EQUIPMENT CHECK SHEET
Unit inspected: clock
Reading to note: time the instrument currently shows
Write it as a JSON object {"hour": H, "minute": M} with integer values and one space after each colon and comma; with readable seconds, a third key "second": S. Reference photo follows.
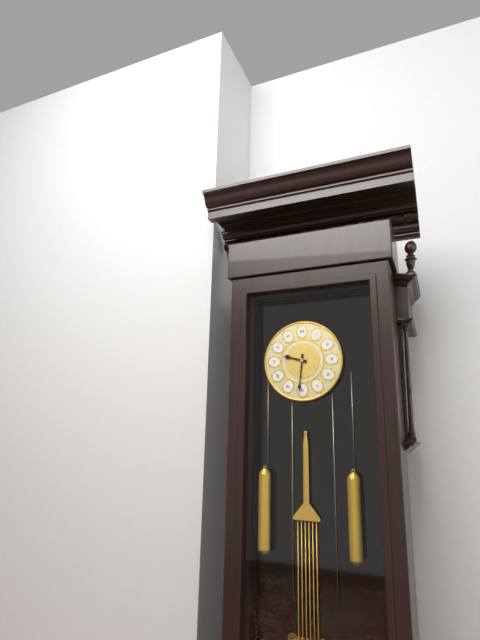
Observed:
{"hour": 9, "minute": 31}
